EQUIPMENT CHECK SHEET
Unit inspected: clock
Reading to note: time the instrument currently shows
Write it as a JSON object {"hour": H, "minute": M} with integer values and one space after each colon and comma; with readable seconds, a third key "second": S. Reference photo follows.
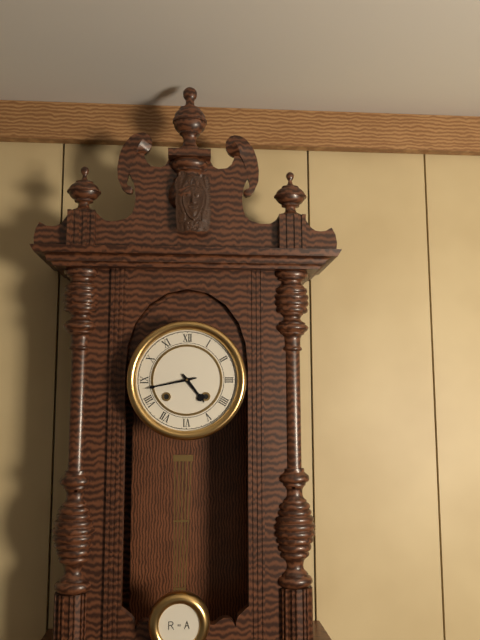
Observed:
{"hour": 4, "minute": 43}
